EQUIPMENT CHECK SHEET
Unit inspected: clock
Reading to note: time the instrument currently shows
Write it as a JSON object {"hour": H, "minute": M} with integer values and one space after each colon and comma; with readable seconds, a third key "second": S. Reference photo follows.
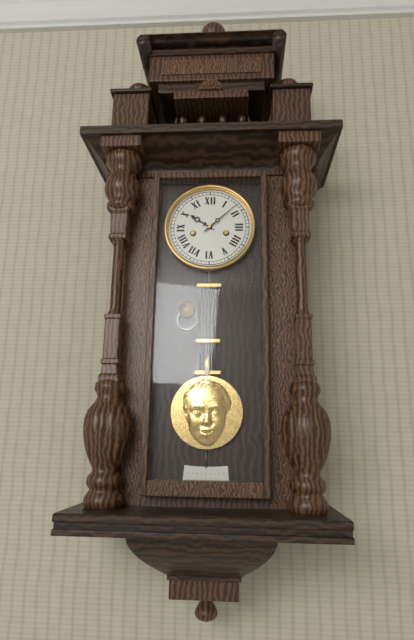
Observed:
{"hour": 10, "minute": 8}
